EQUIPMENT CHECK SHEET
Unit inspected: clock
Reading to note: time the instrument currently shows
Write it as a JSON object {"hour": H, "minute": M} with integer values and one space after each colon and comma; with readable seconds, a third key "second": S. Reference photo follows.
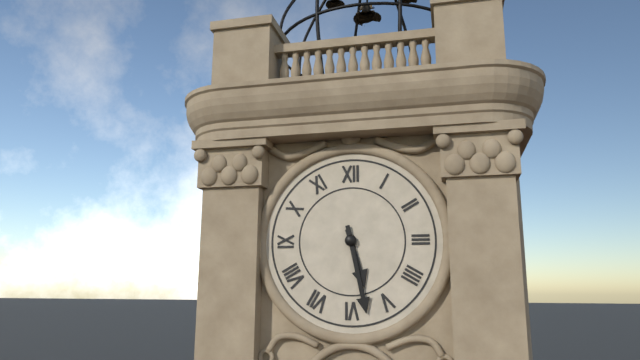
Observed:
{"hour": 5, "minute": 28}
